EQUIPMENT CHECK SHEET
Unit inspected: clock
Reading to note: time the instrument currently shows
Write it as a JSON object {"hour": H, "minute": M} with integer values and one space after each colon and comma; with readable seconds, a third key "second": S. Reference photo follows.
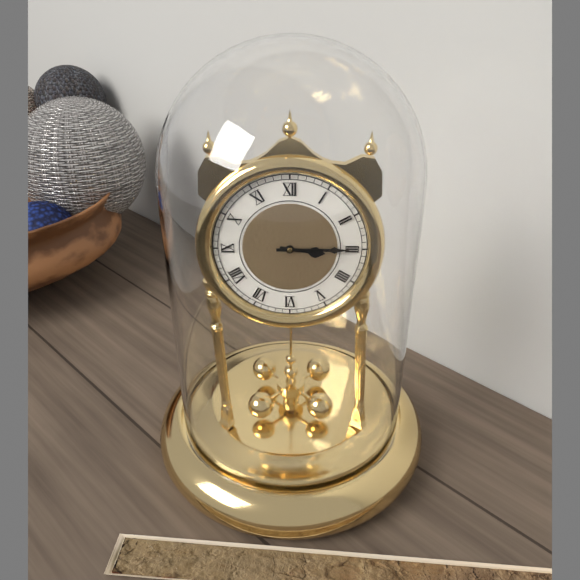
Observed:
{"hour": 3, "minute": 15}
